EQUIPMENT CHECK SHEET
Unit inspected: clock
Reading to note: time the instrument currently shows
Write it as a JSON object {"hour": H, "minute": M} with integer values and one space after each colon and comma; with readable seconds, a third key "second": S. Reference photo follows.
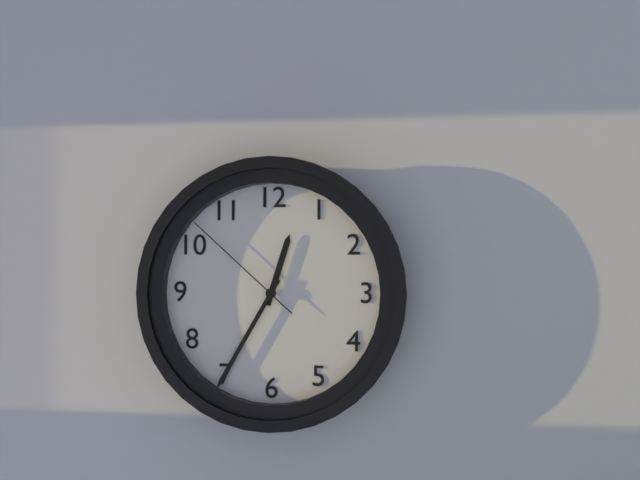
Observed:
{"hour": 12, "minute": 35, "second": 52}
